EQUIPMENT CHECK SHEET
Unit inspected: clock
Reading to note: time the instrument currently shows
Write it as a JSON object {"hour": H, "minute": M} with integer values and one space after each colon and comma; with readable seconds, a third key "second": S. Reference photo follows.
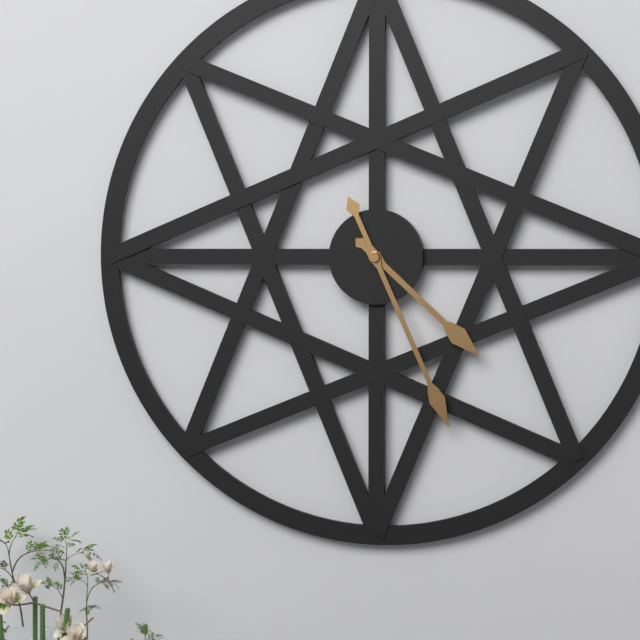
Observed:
{"hour": 4, "minute": 26}
